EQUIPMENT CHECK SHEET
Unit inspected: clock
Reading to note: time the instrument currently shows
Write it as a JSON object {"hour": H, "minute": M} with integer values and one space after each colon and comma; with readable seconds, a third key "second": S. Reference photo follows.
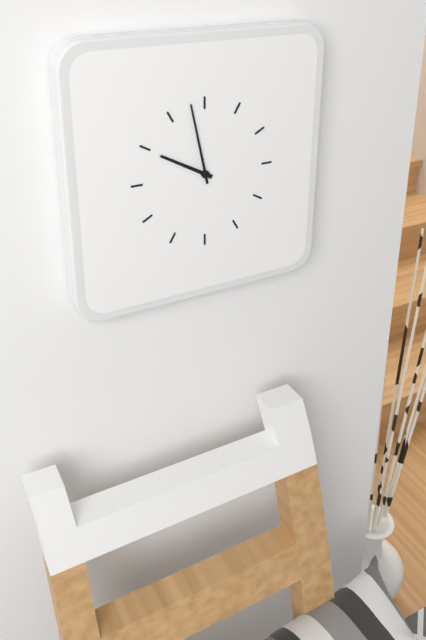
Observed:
{"hour": 9, "minute": 58}
